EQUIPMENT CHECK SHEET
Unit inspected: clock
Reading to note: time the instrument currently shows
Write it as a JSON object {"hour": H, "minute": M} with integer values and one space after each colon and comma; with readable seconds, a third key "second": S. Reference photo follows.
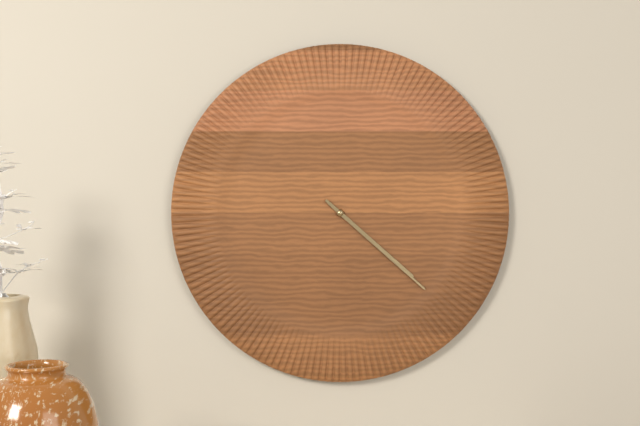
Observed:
{"hour": 4, "minute": 22}
